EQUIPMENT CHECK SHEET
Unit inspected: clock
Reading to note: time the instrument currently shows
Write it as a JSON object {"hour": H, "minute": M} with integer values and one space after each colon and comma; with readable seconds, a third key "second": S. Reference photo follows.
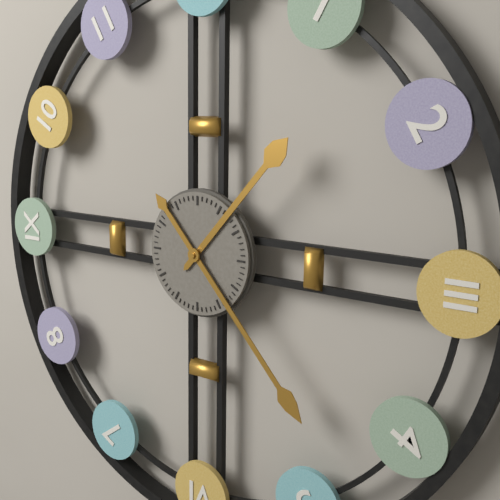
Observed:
{"hour": 1, "minute": 23}
